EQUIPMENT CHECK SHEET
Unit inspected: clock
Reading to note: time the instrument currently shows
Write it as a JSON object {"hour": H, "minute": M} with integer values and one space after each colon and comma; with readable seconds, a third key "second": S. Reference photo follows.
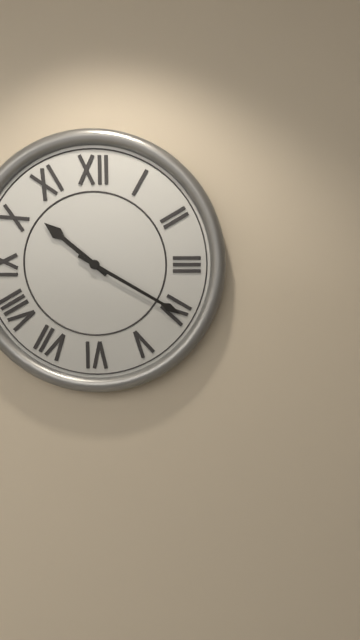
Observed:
{"hour": 10, "minute": 20}
